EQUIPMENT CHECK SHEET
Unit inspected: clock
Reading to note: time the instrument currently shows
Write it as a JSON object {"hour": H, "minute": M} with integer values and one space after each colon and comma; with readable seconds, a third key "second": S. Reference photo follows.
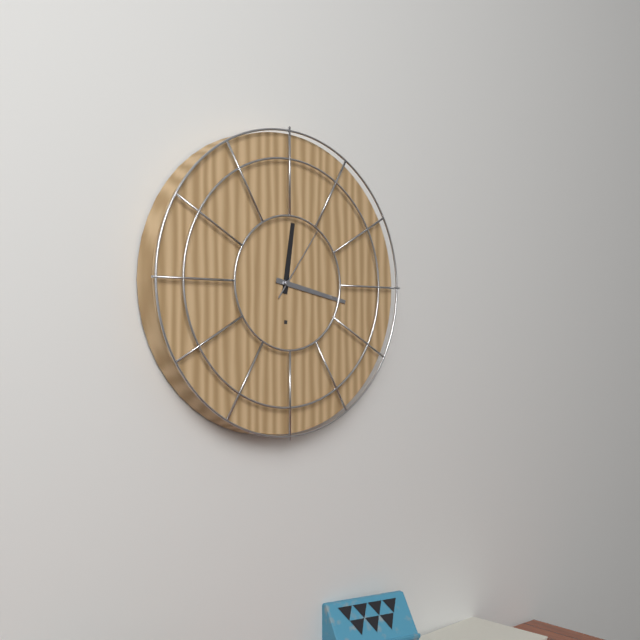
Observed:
{"hour": 12, "minute": 17, "second": 6}
